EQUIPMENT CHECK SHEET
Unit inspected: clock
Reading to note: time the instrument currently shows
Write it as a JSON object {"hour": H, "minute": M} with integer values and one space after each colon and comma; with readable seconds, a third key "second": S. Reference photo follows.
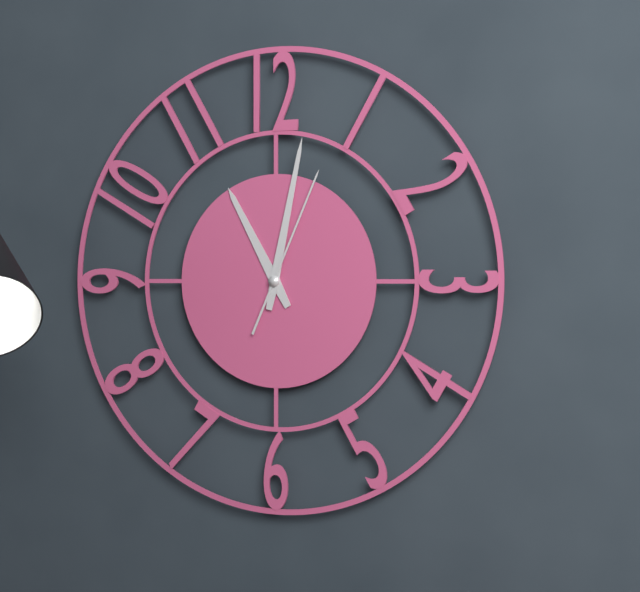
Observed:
{"hour": 11, "minute": 2, "second": 4}
